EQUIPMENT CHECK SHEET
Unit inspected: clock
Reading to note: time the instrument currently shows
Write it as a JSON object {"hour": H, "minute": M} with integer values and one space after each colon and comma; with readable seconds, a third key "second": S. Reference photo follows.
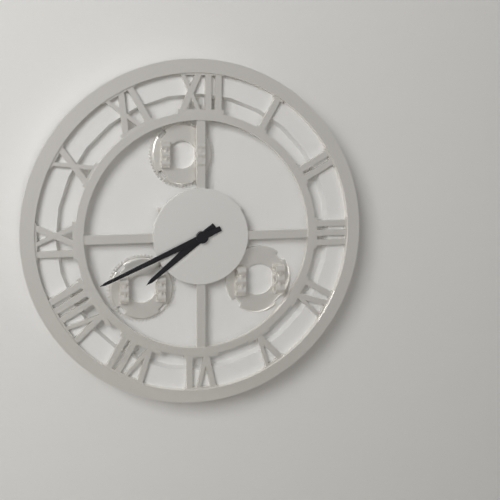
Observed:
{"hour": 7, "minute": 41}
